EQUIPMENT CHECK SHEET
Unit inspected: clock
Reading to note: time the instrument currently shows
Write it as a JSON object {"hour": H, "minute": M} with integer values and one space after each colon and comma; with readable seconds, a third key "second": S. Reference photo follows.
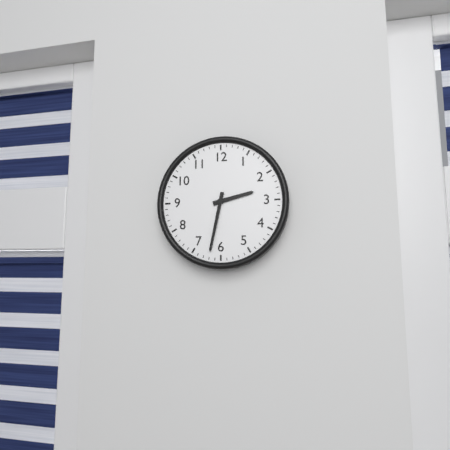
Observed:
{"hour": 2, "minute": 32}
